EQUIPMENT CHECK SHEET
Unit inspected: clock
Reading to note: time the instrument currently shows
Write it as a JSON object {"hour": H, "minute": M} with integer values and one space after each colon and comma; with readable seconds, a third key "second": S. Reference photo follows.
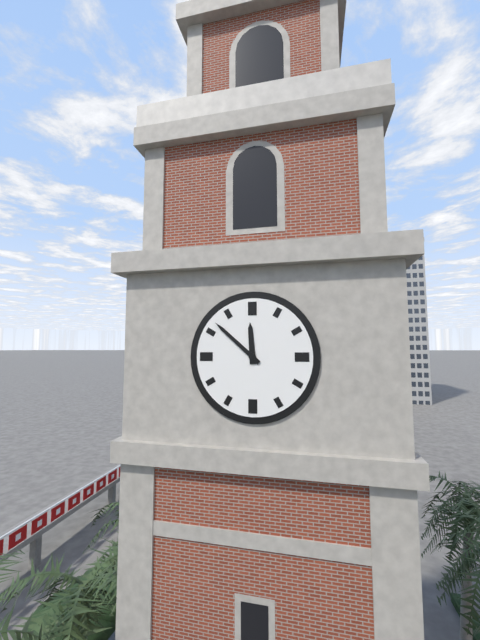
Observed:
{"hour": 11, "minute": 52}
